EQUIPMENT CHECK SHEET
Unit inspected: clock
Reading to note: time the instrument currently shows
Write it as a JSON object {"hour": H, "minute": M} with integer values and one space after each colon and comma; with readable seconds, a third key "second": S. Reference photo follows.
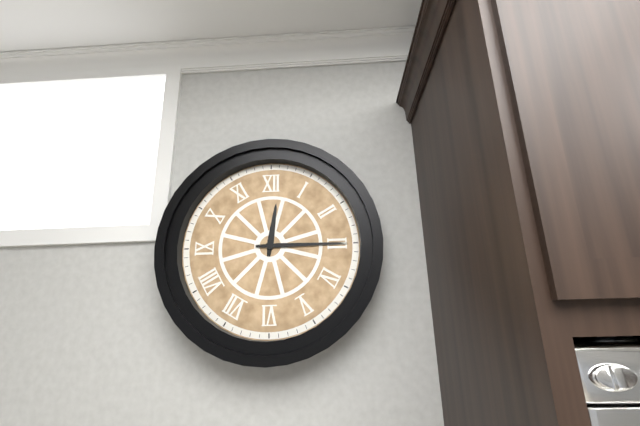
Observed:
{"hour": 12, "minute": 15}
